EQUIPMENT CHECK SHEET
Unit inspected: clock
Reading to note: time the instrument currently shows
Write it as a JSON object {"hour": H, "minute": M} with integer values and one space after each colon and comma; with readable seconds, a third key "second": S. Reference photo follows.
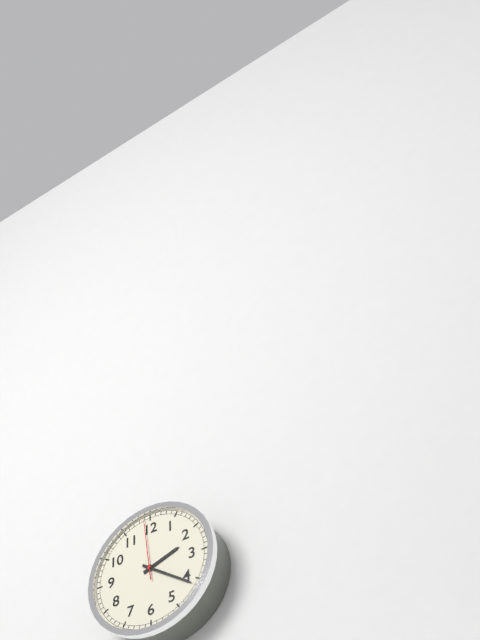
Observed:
{"hour": 2, "minute": 21, "second": 59}
